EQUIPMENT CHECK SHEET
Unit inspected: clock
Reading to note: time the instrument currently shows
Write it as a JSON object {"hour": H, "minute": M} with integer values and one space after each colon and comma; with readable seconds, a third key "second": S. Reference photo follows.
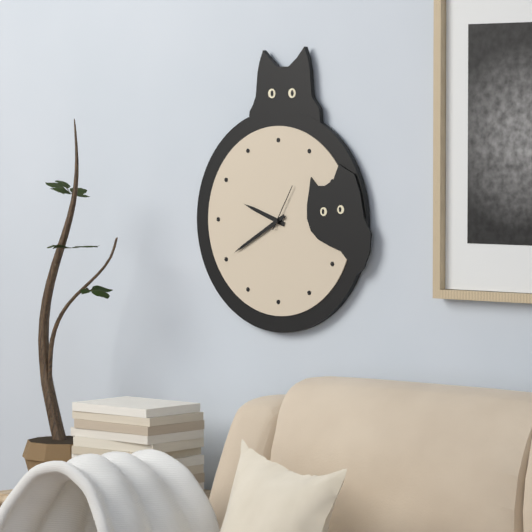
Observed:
{"hour": 9, "minute": 40}
